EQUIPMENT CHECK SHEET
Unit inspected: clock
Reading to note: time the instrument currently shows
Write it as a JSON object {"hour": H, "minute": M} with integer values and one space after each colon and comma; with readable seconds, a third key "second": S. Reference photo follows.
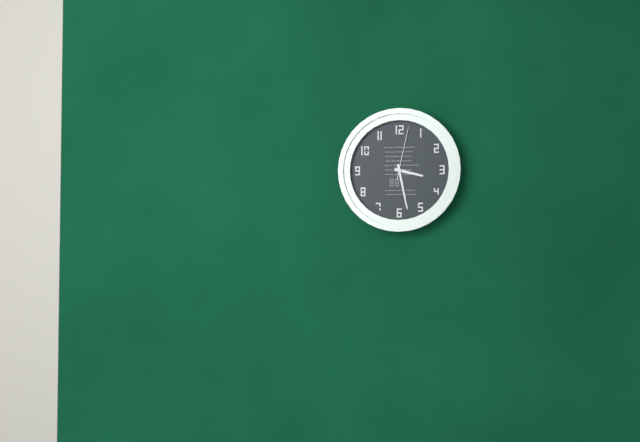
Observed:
{"hour": 3, "minute": 28, "second": 2}
